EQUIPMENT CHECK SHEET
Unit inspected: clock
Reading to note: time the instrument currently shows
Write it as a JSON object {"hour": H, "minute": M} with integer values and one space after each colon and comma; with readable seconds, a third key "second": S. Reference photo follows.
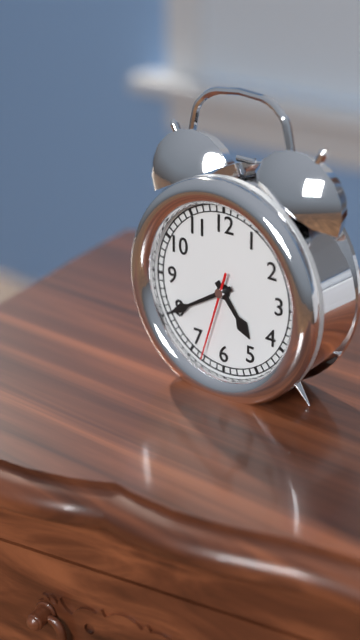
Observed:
{"hour": 4, "minute": 40, "second": 33}
